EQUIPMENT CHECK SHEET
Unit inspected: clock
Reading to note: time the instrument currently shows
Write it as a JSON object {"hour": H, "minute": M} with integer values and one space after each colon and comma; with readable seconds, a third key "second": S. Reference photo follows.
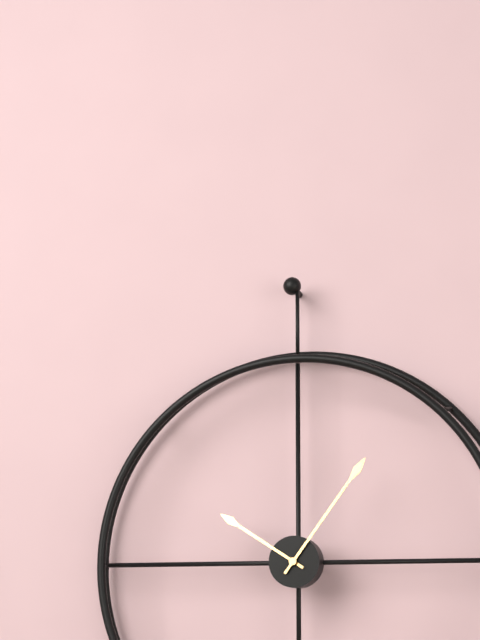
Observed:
{"hour": 10, "minute": 6}
